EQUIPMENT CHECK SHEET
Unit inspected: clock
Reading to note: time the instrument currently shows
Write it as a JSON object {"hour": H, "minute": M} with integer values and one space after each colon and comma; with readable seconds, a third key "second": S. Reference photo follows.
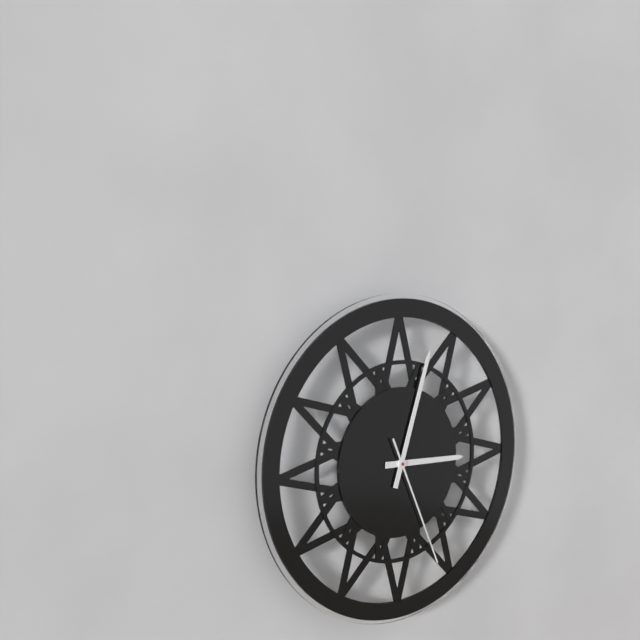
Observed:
{"hour": 3, "minute": 3, "second": 26}
